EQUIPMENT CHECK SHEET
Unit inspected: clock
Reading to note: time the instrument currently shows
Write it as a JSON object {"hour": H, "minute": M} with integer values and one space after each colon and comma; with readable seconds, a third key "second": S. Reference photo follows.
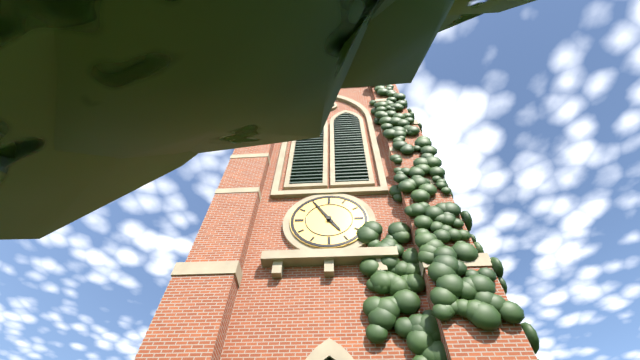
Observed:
{"hour": 4, "minute": 55}
